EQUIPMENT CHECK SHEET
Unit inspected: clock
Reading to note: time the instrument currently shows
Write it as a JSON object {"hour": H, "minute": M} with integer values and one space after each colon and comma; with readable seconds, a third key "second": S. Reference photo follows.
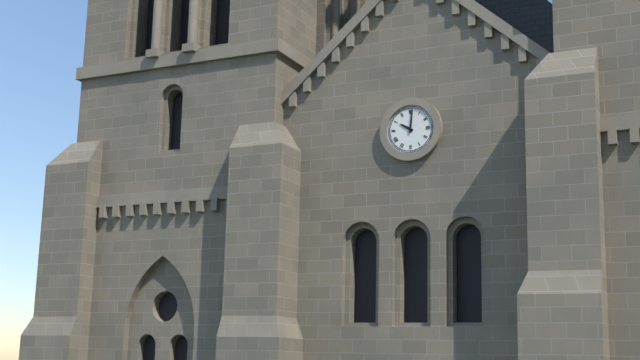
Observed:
{"hour": 10, "minute": 1}
